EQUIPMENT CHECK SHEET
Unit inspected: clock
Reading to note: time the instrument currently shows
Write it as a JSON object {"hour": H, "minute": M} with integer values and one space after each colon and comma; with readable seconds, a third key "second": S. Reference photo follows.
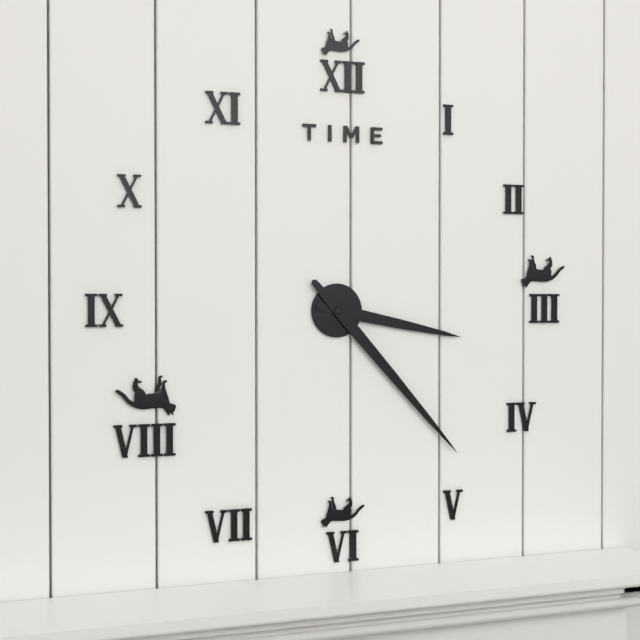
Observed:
{"hour": 3, "minute": 23}
